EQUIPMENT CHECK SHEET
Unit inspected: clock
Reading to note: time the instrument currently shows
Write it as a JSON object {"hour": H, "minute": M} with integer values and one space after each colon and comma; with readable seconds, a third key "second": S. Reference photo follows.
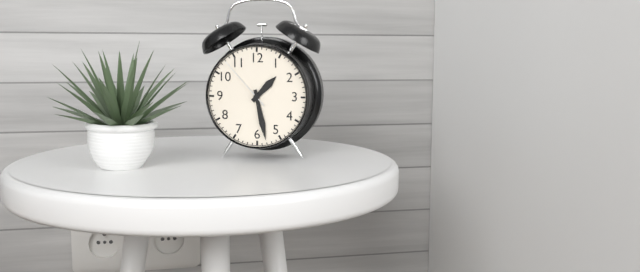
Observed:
{"hour": 1, "minute": 28, "second": 53}
